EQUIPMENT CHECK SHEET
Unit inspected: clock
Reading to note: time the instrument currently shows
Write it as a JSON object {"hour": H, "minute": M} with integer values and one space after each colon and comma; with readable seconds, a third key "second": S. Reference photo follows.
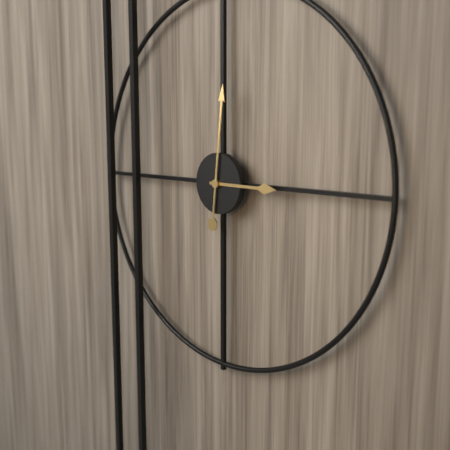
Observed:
{"hour": 3, "minute": 1}
